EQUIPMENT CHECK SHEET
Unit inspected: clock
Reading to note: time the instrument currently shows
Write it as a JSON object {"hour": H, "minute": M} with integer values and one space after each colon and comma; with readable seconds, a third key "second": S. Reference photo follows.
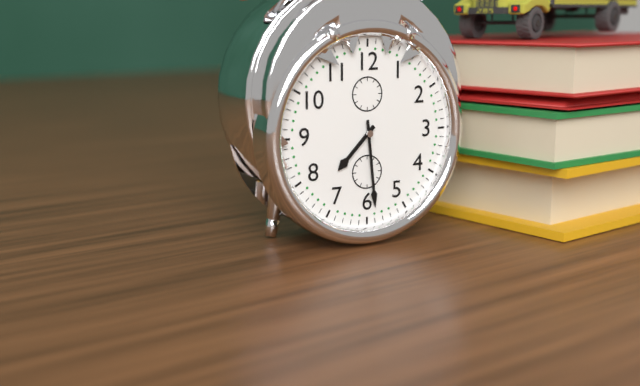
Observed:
{"hour": 7, "minute": 29}
